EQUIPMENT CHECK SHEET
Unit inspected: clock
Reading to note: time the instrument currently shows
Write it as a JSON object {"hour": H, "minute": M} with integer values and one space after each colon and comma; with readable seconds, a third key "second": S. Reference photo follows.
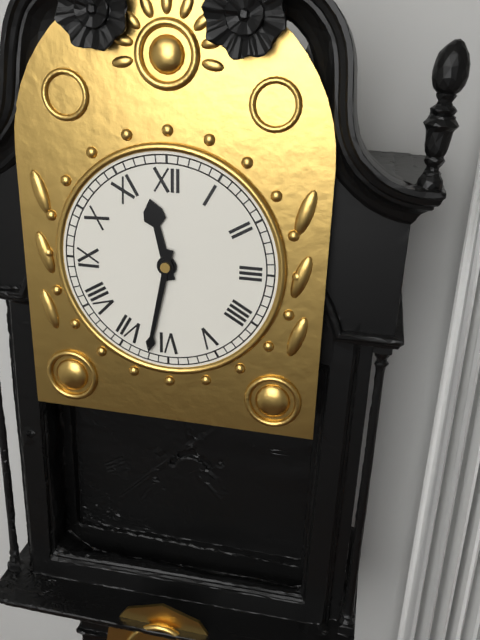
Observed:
{"hour": 11, "minute": 32}
